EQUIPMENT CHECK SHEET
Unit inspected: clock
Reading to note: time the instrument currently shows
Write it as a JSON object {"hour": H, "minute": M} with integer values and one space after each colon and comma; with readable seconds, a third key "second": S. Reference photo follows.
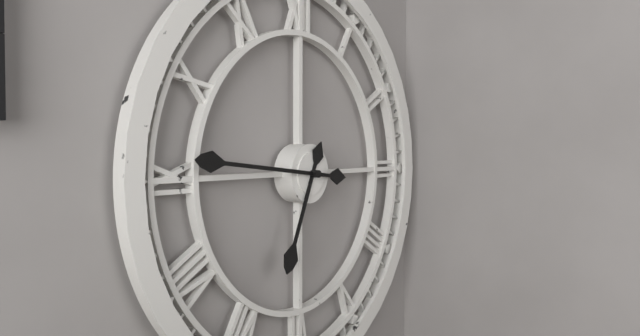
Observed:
{"hour": 6, "minute": 46}
